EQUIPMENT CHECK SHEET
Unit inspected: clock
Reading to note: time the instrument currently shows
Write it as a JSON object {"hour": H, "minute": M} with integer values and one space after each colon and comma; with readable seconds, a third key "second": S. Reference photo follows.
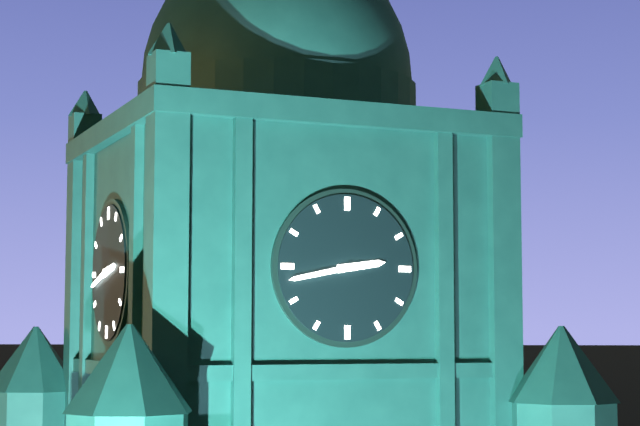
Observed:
{"hour": 2, "minute": 43}
